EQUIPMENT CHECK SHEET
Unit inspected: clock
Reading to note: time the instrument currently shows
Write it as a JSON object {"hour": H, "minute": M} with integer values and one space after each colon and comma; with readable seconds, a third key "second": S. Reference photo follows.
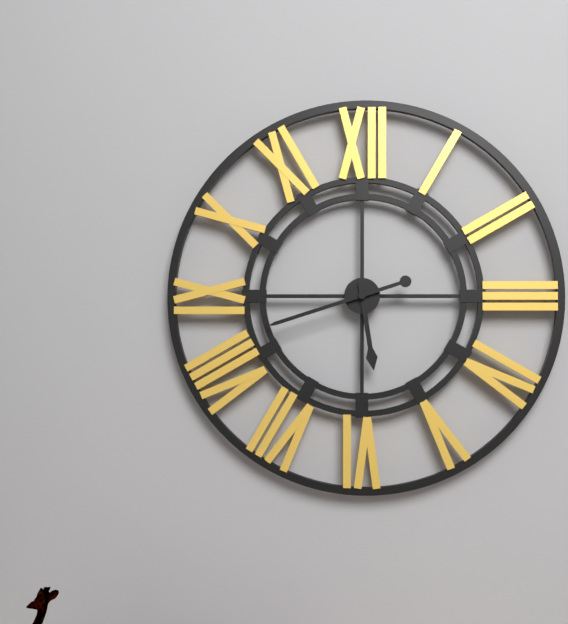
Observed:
{"hour": 5, "minute": 42}
